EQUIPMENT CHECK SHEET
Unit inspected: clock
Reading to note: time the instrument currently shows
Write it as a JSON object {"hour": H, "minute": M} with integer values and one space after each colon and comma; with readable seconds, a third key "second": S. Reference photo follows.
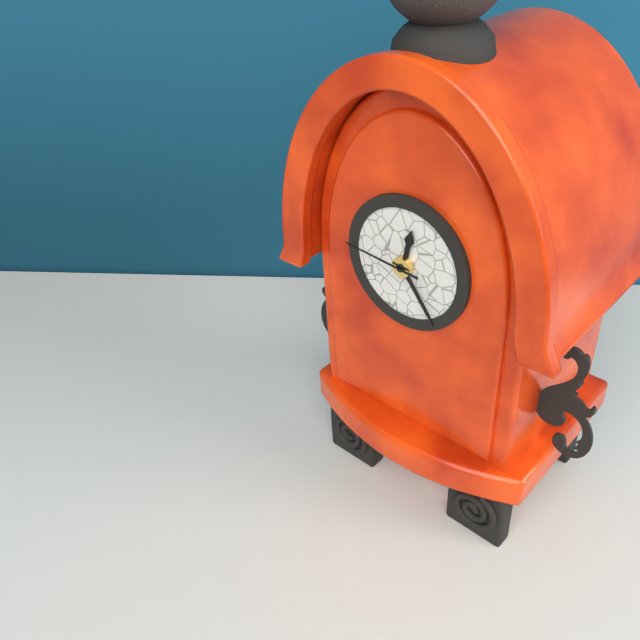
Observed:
{"hour": 12, "minute": 24, "second": 46}
